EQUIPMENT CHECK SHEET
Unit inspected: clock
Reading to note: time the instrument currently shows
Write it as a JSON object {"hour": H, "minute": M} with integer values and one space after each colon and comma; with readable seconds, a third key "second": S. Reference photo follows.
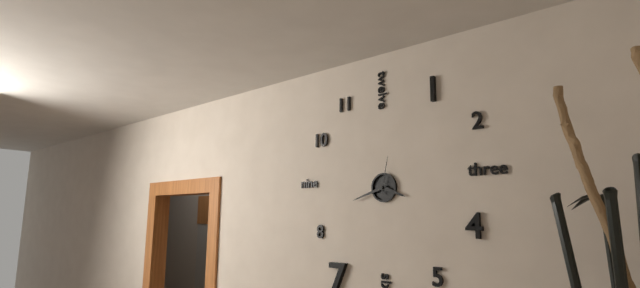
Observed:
{"hour": 3, "minute": 42}
